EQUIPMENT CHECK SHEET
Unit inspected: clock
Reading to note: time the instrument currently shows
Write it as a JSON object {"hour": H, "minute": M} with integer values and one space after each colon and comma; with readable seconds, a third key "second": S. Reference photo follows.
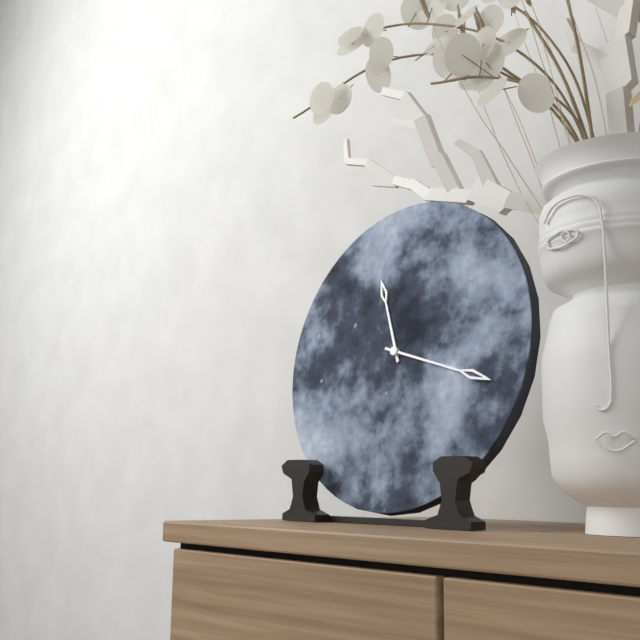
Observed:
{"hour": 11, "minute": 18}
